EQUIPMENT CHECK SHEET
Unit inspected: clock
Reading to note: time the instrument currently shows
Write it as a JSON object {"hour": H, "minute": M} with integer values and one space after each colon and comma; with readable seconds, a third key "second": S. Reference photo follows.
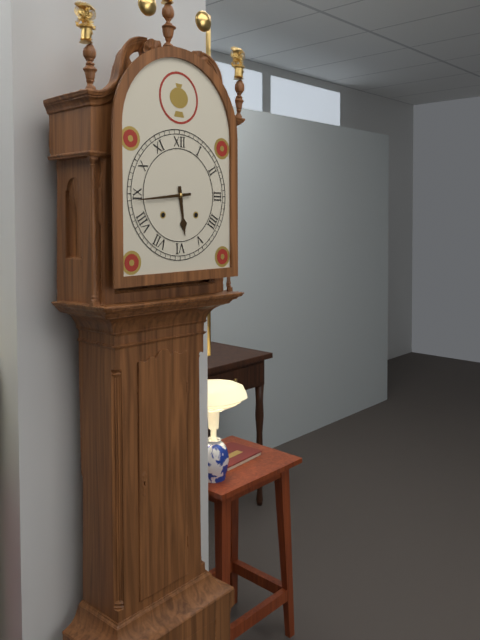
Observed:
{"hour": 5, "minute": 44}
